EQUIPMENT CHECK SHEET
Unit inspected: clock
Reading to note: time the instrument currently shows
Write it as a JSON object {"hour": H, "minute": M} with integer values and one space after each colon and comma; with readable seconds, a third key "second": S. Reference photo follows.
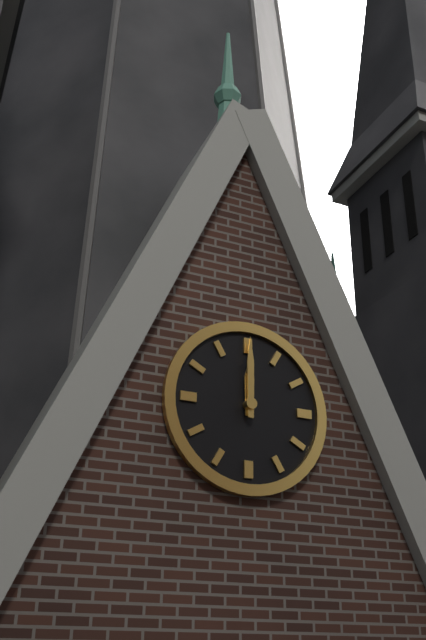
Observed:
{"hour": 12, "minute": 0}
